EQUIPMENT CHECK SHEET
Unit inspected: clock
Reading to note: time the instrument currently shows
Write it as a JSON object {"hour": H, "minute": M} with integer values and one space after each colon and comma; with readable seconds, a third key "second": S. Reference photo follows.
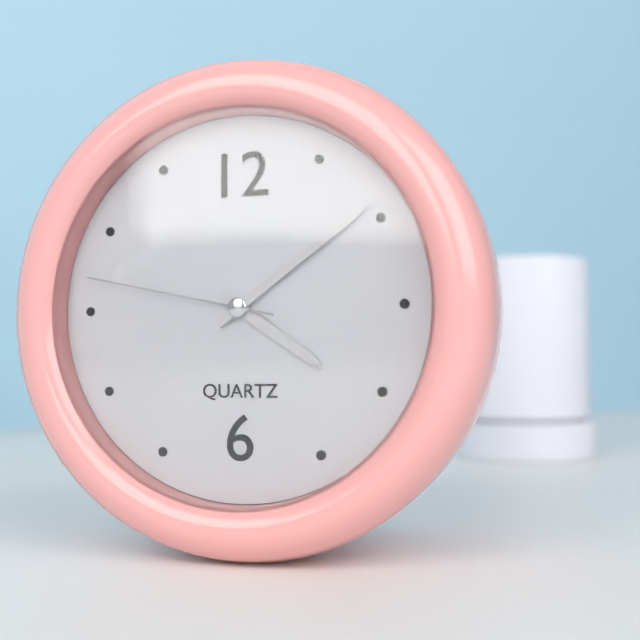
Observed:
{"hour": 4, "minute": 9, "second": 47}
